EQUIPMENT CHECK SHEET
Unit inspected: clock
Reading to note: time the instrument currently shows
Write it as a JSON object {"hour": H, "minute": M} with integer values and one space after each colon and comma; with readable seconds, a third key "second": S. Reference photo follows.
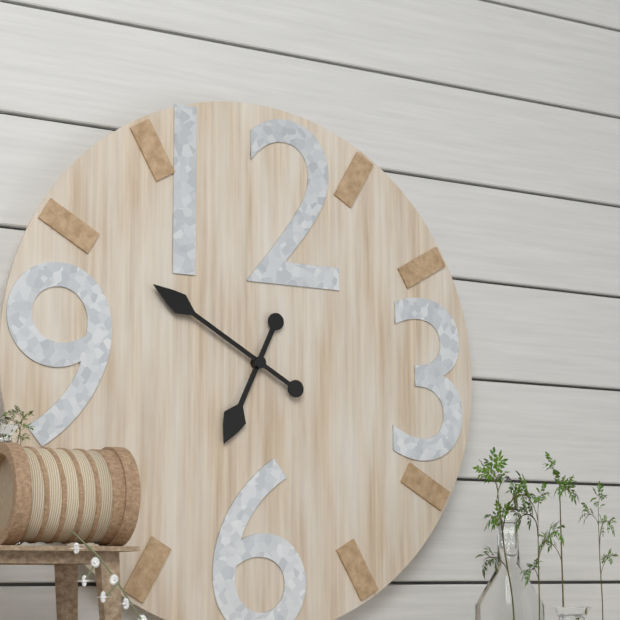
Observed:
{"hour": 6, "minute": 50}
